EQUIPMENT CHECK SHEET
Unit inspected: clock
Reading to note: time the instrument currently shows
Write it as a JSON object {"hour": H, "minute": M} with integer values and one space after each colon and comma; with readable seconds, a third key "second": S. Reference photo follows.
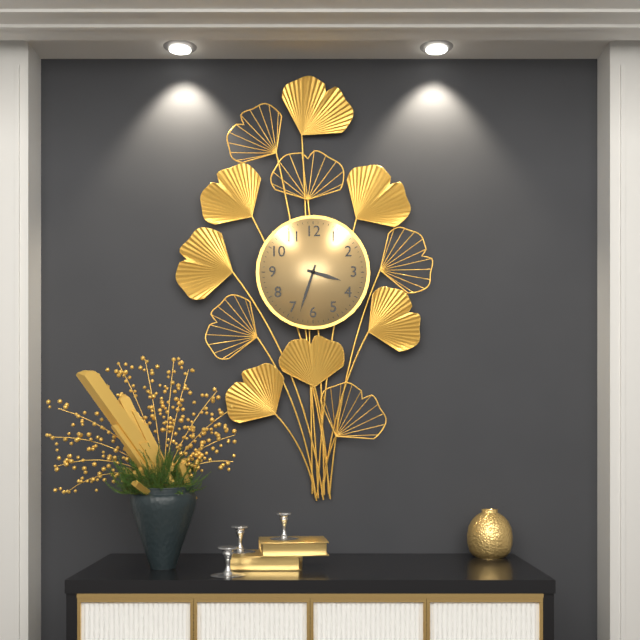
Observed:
{"hour": 3, "minute": 33}
